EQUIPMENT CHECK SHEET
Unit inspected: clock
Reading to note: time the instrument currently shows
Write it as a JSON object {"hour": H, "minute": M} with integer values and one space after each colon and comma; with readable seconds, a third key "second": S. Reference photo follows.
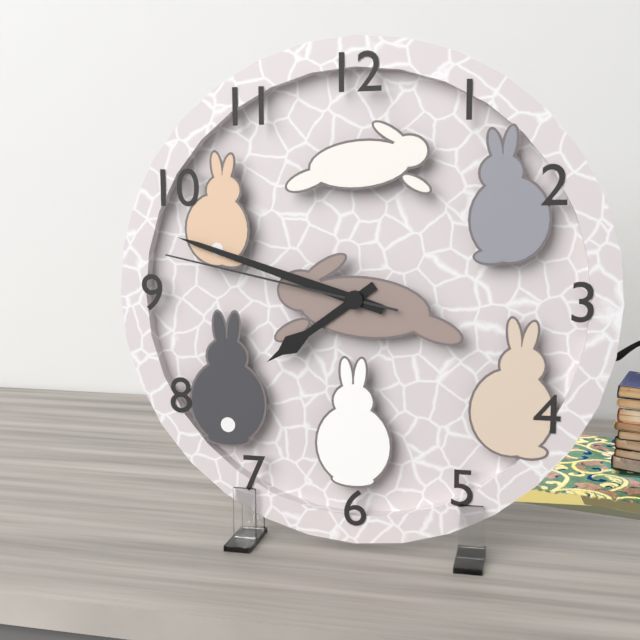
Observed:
{"hour": 7, "minute": 48, "second": 47}
